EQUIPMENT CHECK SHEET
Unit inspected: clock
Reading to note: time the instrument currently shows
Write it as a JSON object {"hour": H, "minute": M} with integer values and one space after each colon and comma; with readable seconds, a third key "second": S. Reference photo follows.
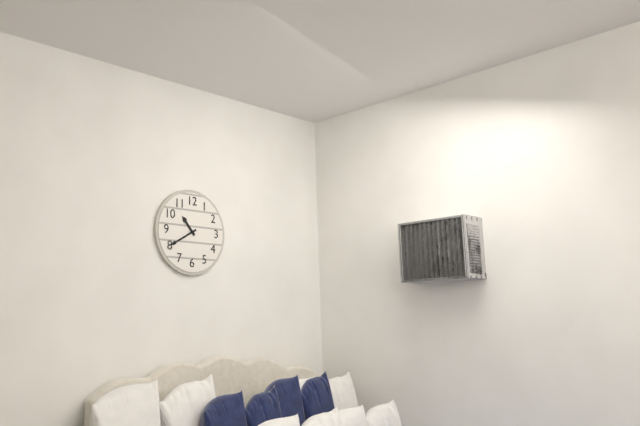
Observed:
{"hour": 10, "minute": 40}
